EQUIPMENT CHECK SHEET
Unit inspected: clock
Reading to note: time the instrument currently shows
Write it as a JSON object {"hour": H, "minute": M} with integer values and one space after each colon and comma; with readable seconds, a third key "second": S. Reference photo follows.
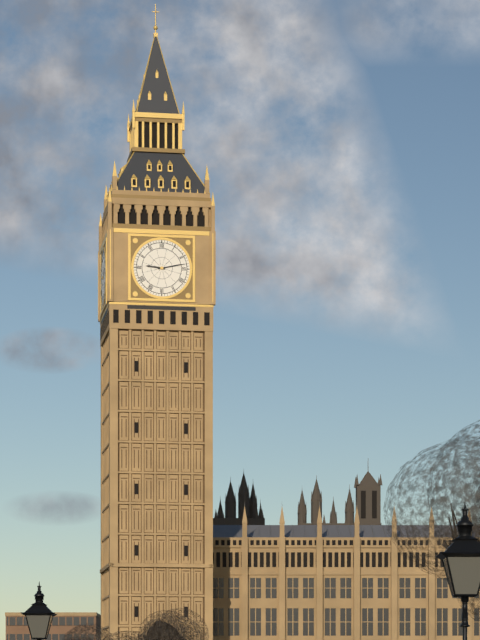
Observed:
{"hour": 9, "minute": 13}
